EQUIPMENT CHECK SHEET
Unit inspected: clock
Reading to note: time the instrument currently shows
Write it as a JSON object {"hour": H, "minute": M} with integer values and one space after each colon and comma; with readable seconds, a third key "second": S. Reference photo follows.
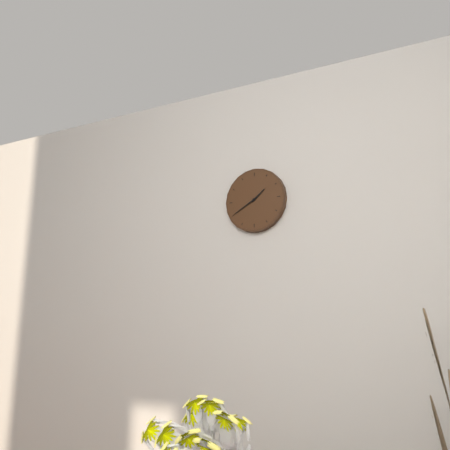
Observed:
{"hour": 1, "minute": 40}
